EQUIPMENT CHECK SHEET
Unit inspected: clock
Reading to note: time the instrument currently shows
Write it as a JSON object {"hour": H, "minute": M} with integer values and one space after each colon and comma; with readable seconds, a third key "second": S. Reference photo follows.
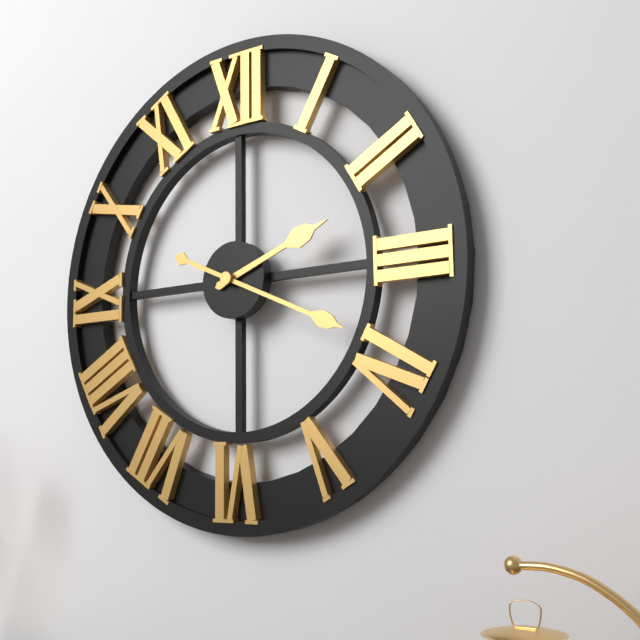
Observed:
{"hour": 2, "minute": 19}
